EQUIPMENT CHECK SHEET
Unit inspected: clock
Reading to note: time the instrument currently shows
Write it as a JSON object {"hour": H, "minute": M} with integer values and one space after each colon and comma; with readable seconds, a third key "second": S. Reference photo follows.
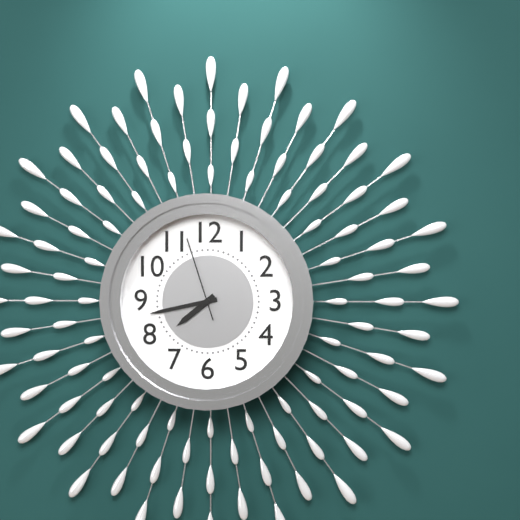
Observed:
{"hour": 7, "minute": 43, "second": 57}
